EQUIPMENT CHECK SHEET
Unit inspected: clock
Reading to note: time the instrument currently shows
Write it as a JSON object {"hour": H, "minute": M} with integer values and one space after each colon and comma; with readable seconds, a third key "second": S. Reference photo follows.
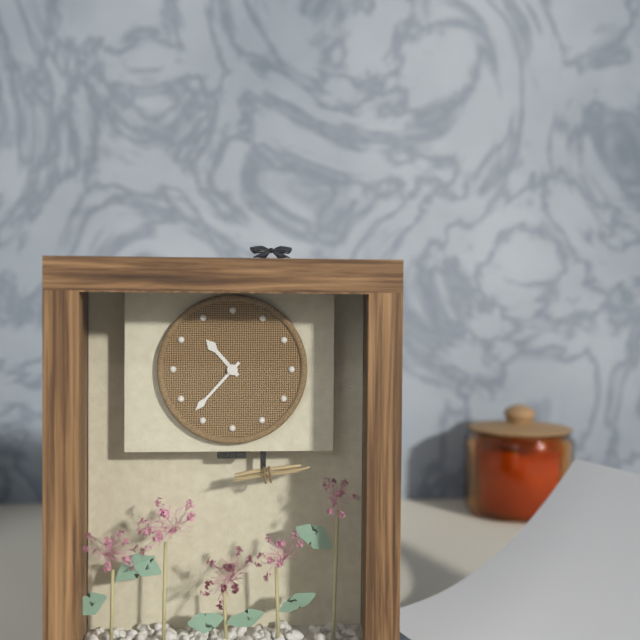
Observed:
{"hour": 10, "minute": 37}
